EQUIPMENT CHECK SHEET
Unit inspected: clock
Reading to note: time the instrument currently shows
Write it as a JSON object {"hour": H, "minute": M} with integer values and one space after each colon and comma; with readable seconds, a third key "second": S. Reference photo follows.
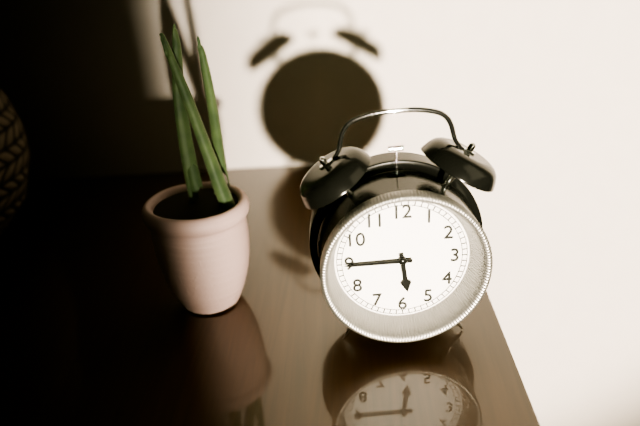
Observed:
{"hour": 5, "minute": 45}
